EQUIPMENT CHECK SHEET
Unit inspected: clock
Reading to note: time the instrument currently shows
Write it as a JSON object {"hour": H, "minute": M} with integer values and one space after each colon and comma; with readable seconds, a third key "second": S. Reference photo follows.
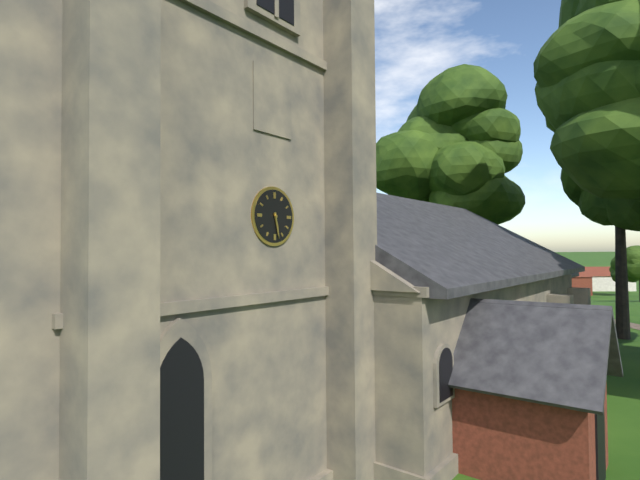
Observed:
{"hour": 5, "minute": 28}
